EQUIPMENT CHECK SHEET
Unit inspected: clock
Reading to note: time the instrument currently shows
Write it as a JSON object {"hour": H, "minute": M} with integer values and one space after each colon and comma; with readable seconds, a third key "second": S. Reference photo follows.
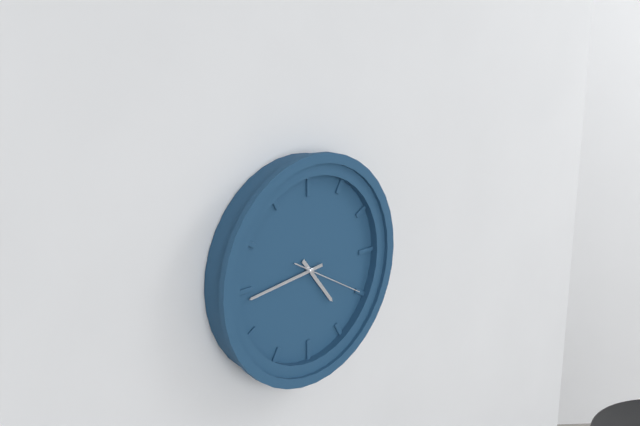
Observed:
{"hour": 4, "minute": 44, "second": 20}
